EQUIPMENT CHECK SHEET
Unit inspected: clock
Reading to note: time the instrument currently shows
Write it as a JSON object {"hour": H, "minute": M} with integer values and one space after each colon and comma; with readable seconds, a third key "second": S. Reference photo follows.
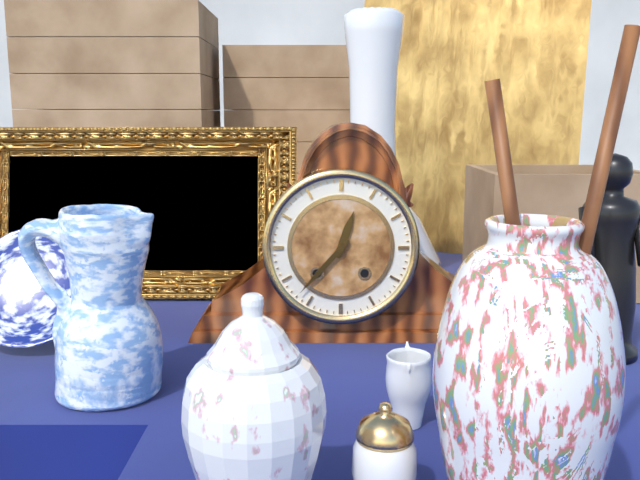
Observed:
{"hour": 12, "minute": 37}
